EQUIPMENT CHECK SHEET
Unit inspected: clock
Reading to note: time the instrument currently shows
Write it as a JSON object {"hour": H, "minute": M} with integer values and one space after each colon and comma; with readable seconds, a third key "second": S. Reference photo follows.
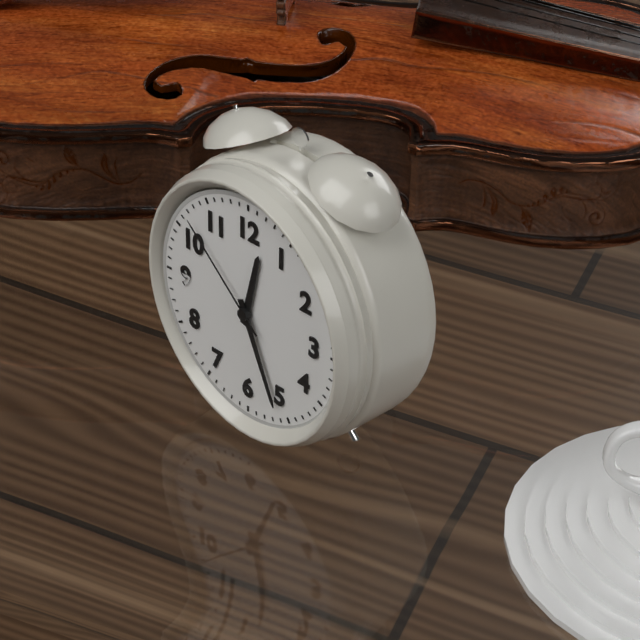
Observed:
{"hour": 12, "minute": 26, "second": 52}
